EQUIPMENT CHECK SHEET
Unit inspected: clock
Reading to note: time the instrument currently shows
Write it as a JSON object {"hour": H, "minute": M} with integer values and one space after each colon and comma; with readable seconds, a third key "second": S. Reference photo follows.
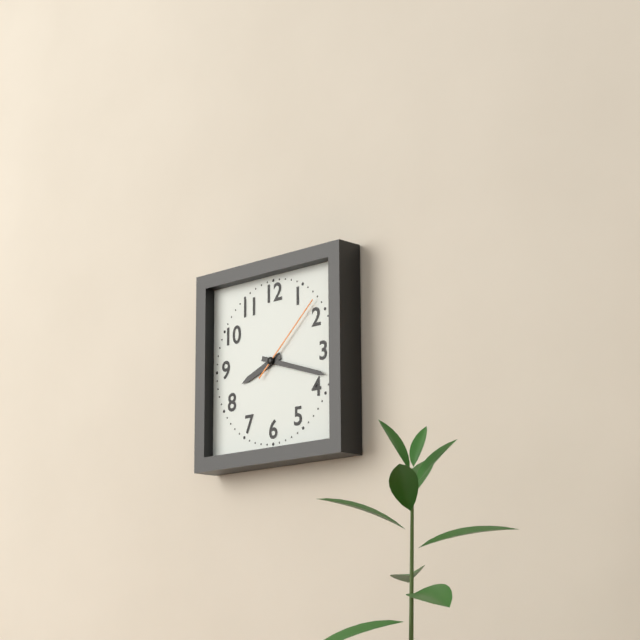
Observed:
{"hour": 8, "minute": 18, "second": 8}
